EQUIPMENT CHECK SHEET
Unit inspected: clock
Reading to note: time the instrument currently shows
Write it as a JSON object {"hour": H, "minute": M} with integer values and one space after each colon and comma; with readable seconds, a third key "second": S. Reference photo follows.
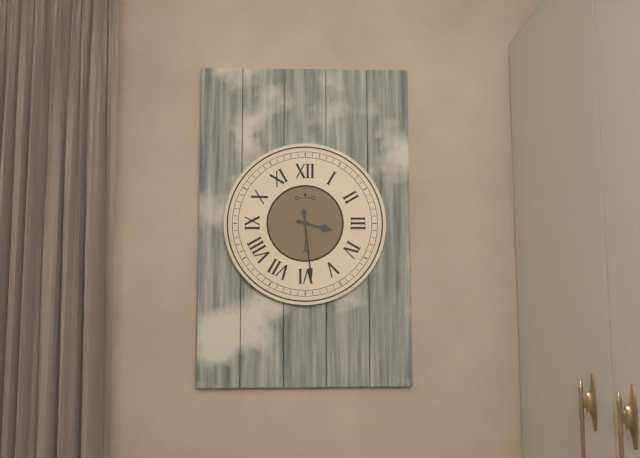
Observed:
{"hour": 3, "minute": 29}
